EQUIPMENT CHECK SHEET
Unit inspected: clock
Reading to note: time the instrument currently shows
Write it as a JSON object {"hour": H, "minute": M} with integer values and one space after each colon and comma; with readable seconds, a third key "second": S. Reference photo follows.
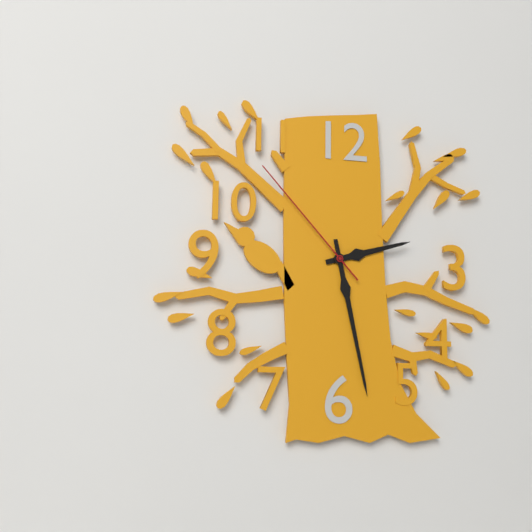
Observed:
{"hour": 2, "minute": 28, "second": 53}
